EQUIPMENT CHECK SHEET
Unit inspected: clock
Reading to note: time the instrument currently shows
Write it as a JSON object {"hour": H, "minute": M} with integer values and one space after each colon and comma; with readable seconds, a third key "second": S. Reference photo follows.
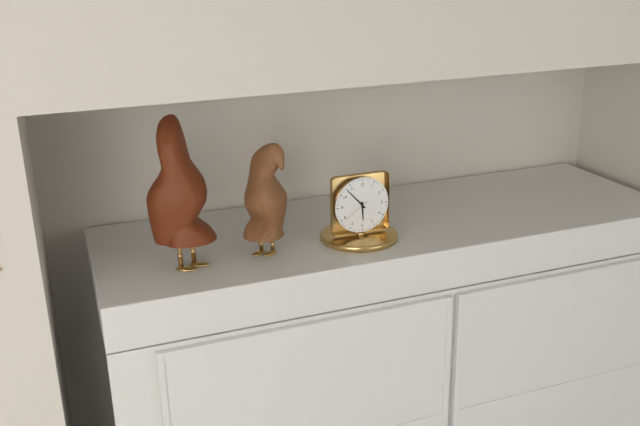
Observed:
{"hour": 5, "minute": 53}
